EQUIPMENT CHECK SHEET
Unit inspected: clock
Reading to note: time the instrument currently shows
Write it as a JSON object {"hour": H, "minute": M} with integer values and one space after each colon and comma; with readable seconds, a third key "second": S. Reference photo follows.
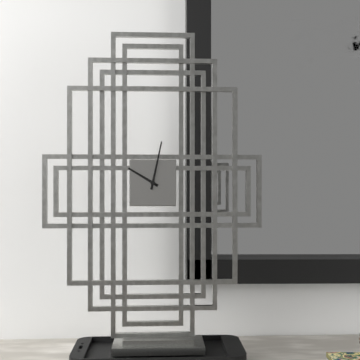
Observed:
{"hour": 10, "minute": 2}
